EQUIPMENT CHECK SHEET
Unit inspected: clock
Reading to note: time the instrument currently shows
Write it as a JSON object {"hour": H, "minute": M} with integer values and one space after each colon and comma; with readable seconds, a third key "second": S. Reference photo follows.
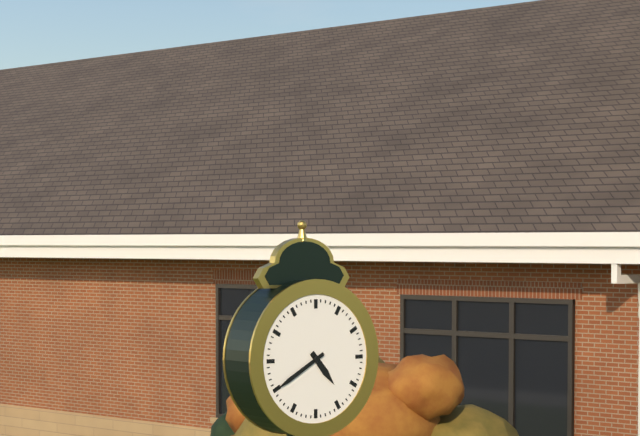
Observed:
{"hour": 4, "minute": 40}
